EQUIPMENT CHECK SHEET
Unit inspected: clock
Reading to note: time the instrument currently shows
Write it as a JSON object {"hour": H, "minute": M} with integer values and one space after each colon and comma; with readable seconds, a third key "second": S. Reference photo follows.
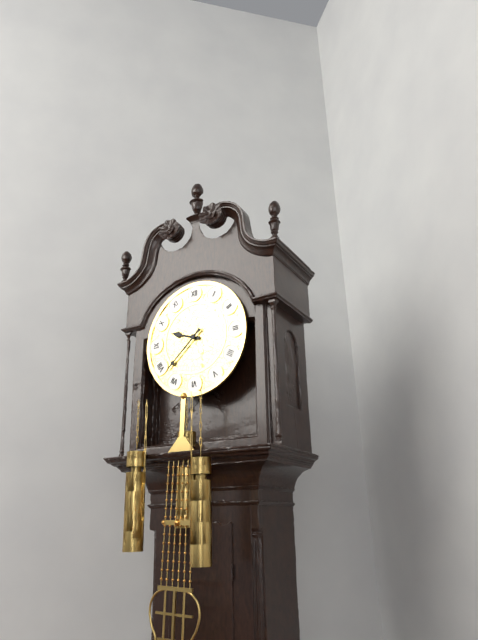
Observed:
{"hour": 9, "minute": 38}
